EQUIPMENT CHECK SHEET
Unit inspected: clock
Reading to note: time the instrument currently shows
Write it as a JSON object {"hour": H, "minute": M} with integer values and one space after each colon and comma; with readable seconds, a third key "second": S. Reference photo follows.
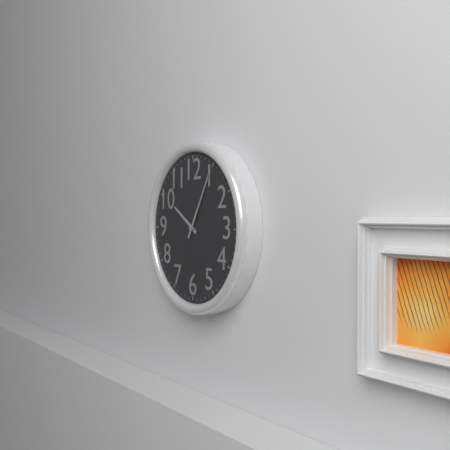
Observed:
{"hour": 10, "minute": 5}
